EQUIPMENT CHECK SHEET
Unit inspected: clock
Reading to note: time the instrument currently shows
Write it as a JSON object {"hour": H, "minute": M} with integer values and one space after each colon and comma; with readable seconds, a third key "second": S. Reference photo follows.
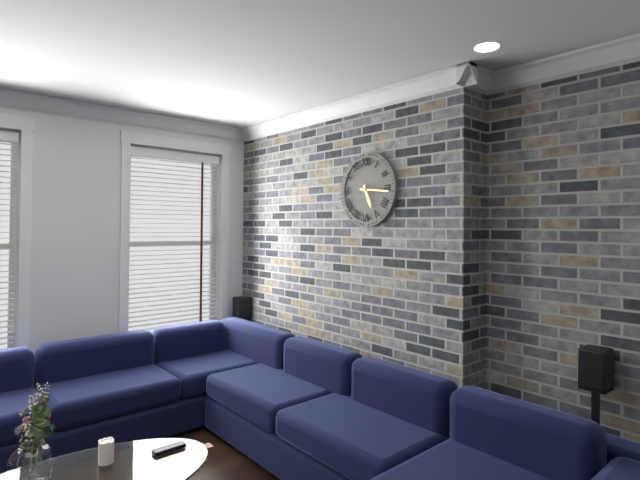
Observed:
{"hour": 5, "minute": 16}
